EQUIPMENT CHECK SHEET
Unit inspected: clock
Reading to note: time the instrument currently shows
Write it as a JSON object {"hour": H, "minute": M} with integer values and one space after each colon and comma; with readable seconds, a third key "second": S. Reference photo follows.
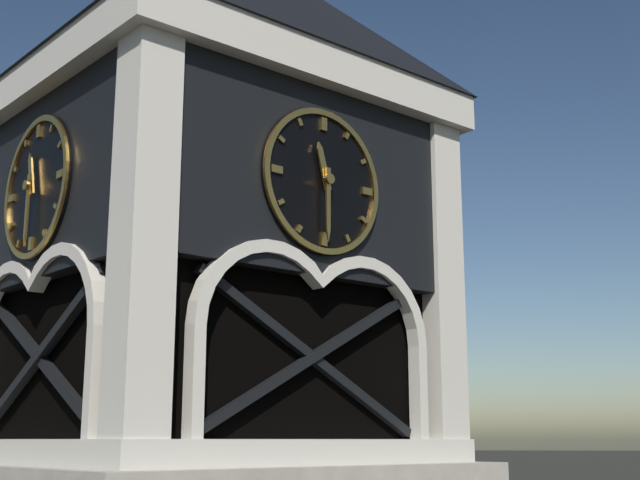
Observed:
{"hour": 11, "minute": 30}
